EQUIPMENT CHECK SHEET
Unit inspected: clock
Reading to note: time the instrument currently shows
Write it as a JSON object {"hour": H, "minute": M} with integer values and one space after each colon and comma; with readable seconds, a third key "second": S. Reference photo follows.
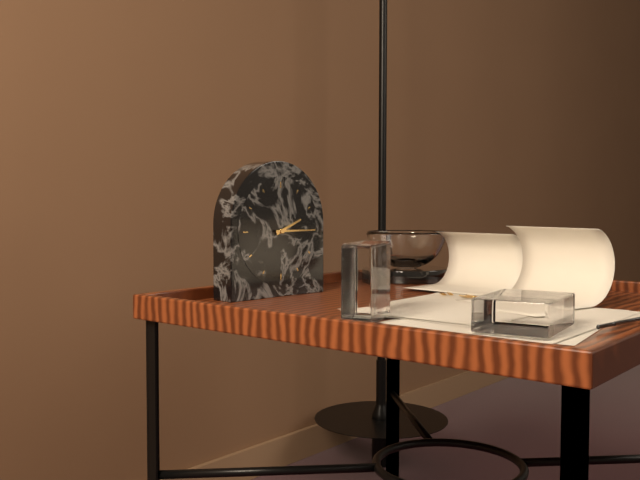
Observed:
{"hour": 2, "minute": 15}
